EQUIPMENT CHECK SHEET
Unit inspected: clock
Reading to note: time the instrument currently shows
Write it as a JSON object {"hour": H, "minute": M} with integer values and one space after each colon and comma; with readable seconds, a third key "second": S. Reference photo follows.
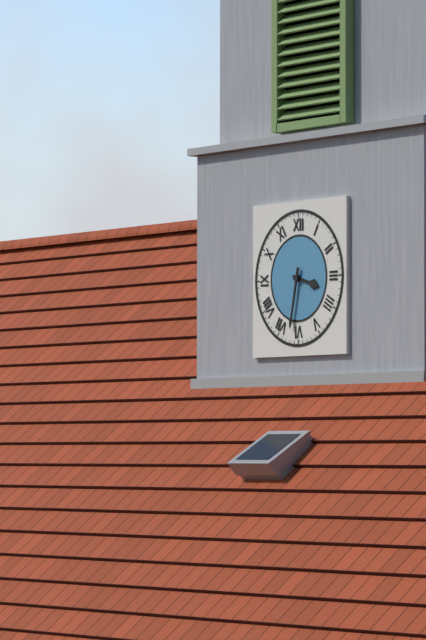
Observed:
{"hour": 3, "minute": 32}
